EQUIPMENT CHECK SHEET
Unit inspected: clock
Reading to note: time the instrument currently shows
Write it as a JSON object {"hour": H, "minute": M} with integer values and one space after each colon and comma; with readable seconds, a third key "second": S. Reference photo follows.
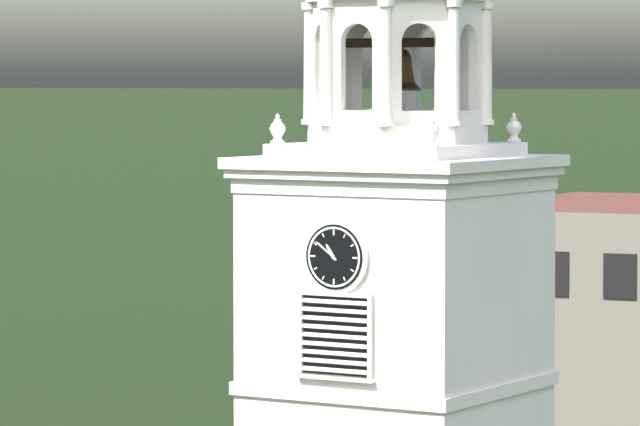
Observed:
{"hour": 10, "minute": 51}
